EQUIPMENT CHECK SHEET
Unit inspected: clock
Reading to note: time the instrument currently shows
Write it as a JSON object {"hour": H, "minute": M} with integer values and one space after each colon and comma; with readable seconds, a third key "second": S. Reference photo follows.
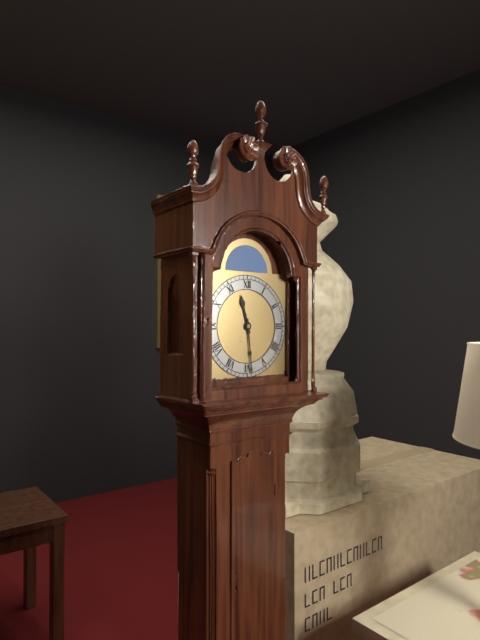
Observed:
{"hour": 11, "minute": 29}
